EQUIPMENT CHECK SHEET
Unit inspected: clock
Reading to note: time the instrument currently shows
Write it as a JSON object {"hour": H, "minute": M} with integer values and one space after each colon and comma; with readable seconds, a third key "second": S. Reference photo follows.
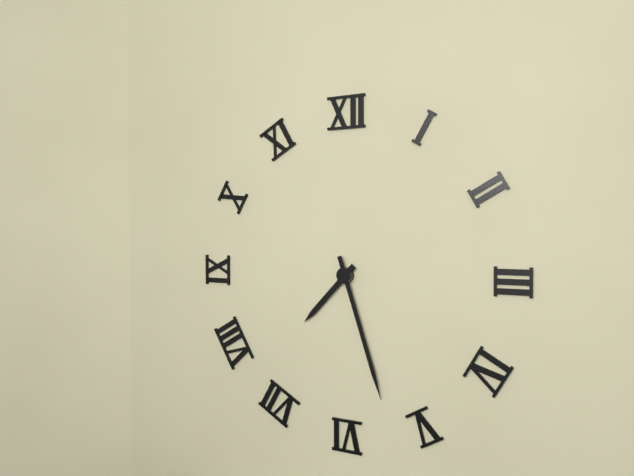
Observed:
{"hour": 7, "minute": 27}
